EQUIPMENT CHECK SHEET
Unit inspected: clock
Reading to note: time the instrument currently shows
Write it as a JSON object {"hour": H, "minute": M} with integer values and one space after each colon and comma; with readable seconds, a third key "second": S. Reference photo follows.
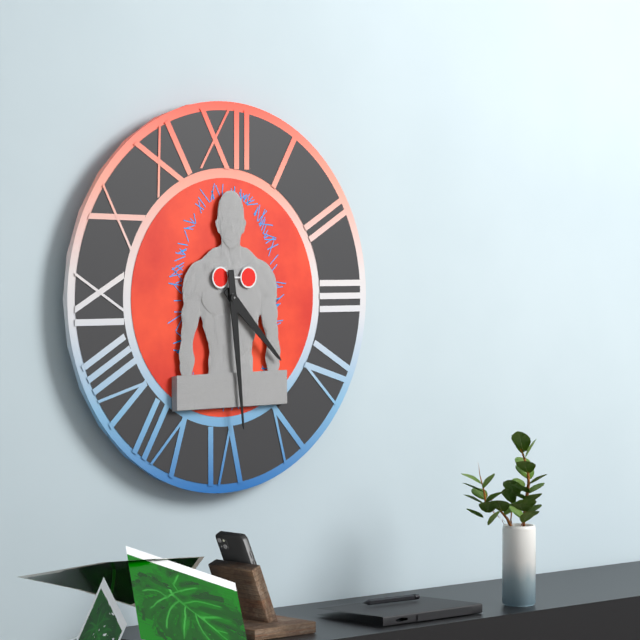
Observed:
{"hour": 4, "minute": 29}
